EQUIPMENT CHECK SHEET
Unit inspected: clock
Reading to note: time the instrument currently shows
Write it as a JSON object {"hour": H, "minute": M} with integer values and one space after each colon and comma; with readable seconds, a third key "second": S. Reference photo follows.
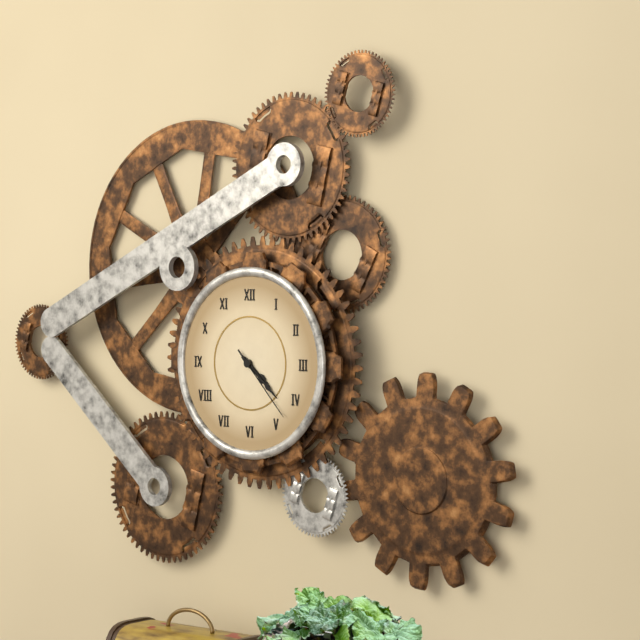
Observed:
{"hour": 4, "minute": 22, "second": 23}
